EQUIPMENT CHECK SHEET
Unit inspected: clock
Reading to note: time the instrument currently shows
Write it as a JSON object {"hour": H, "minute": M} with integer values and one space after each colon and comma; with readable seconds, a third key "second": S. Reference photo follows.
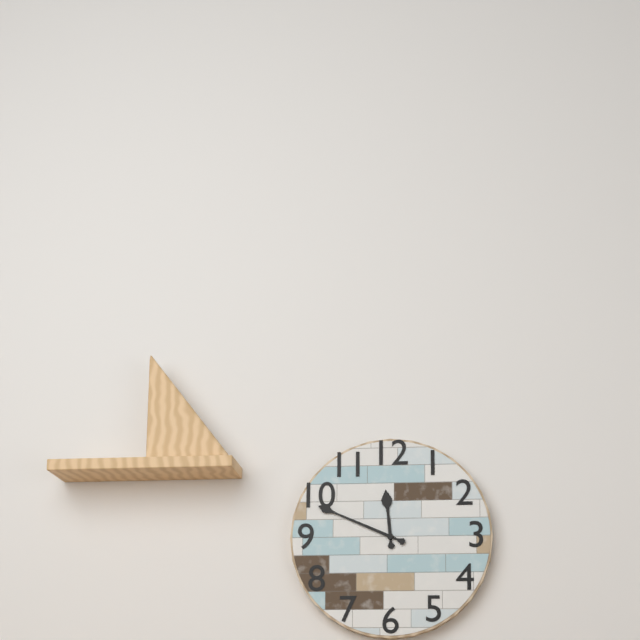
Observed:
{"hour": 11, "minute": 49}
